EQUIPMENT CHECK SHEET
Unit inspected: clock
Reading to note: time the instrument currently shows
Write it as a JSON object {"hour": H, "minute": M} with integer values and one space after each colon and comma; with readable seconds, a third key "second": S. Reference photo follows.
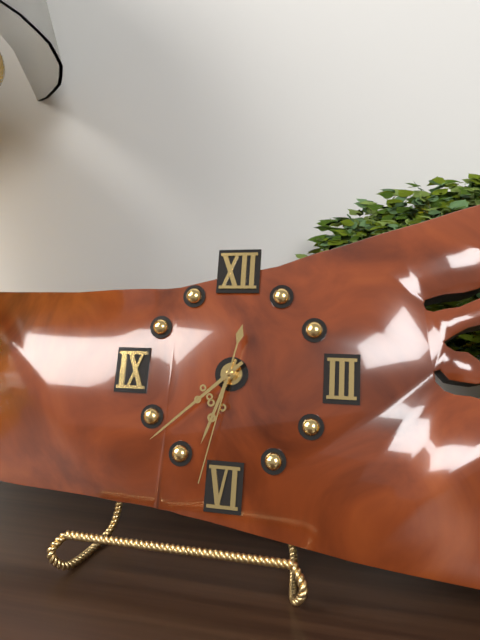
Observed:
{"hour": 6, "minute": 38, "second": 32}
